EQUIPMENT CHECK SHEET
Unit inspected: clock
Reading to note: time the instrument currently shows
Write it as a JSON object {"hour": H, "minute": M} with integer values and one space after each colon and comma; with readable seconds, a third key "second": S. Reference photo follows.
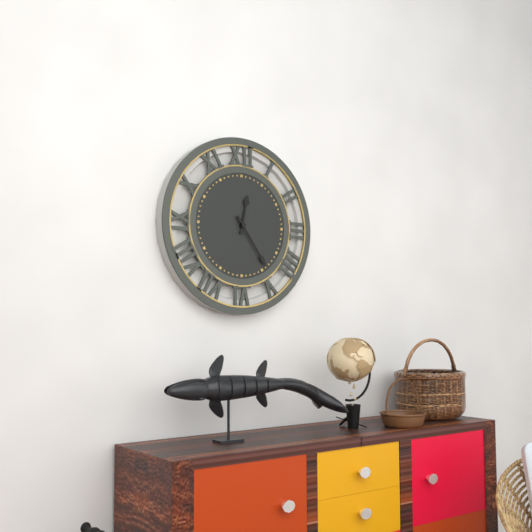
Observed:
{"hour": 12, "minute": 24}
